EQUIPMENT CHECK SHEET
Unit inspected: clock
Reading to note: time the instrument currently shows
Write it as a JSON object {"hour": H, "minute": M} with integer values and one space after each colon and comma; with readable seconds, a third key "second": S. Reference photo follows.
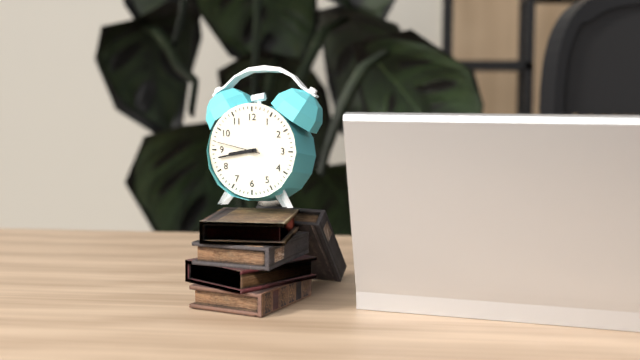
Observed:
{"hour": 8, "minute": 43}
